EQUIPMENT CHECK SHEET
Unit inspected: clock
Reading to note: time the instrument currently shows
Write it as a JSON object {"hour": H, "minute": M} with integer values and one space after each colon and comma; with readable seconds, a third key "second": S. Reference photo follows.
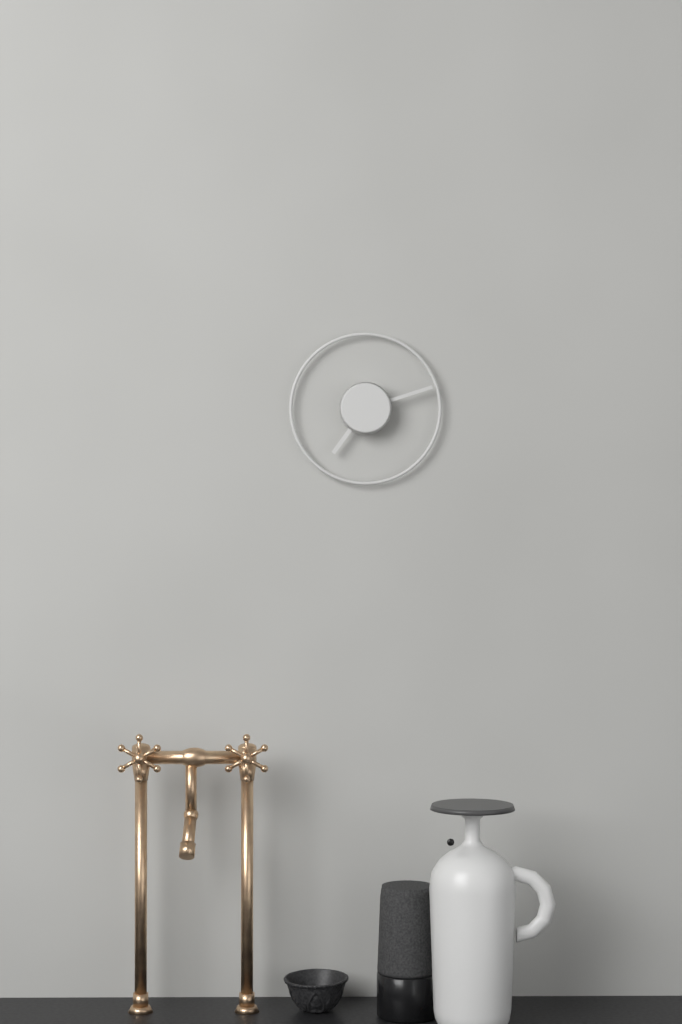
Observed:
{"hour": 7, "minute": 12}
